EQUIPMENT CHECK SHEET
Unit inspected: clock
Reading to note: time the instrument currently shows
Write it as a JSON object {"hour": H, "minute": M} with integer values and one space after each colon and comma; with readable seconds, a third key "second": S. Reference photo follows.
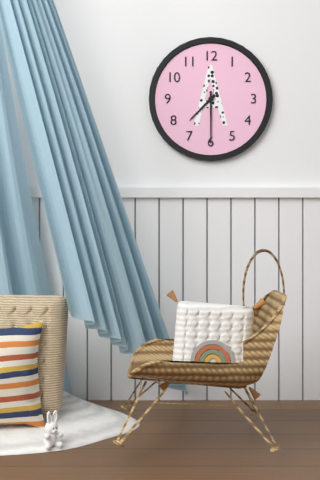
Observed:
{"hour": 7, "minute": 30}
